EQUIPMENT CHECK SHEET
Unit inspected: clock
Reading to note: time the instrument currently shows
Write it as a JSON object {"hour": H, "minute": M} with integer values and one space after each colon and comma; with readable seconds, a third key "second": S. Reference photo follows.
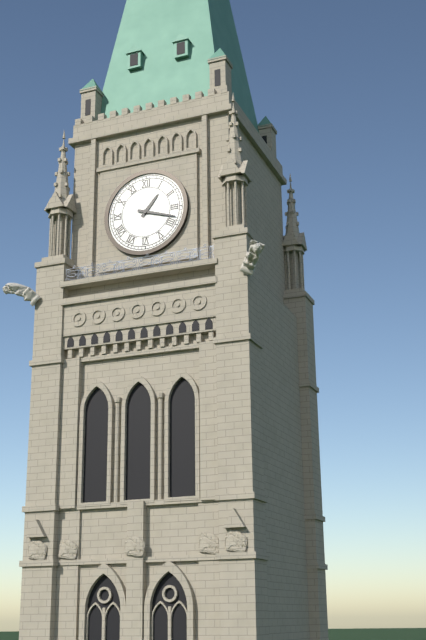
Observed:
{"hour": 1, "minute": 18}
